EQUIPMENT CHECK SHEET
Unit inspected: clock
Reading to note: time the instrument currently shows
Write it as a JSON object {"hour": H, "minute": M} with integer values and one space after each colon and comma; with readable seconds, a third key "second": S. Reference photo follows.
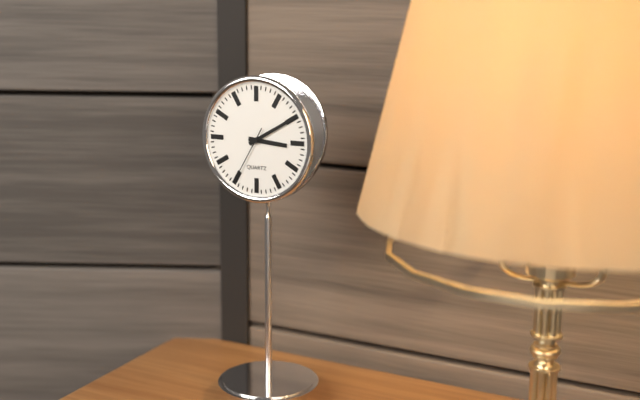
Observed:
{"hour": 3, "minute": 10, "second": 35}
